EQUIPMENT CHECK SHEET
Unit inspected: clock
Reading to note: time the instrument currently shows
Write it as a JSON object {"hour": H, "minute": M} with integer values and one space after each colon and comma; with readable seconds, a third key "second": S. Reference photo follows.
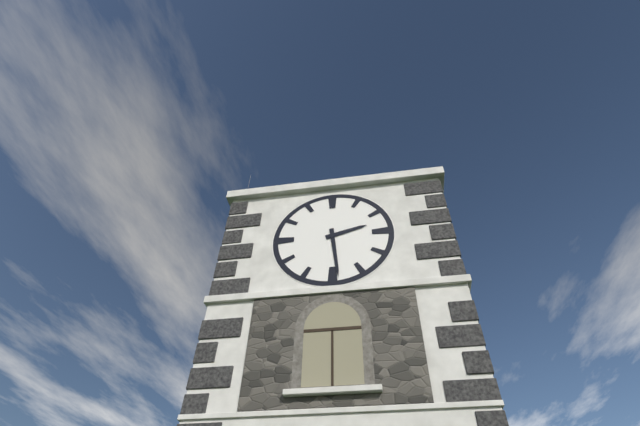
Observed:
{"hour": 2, "minute": 29}
